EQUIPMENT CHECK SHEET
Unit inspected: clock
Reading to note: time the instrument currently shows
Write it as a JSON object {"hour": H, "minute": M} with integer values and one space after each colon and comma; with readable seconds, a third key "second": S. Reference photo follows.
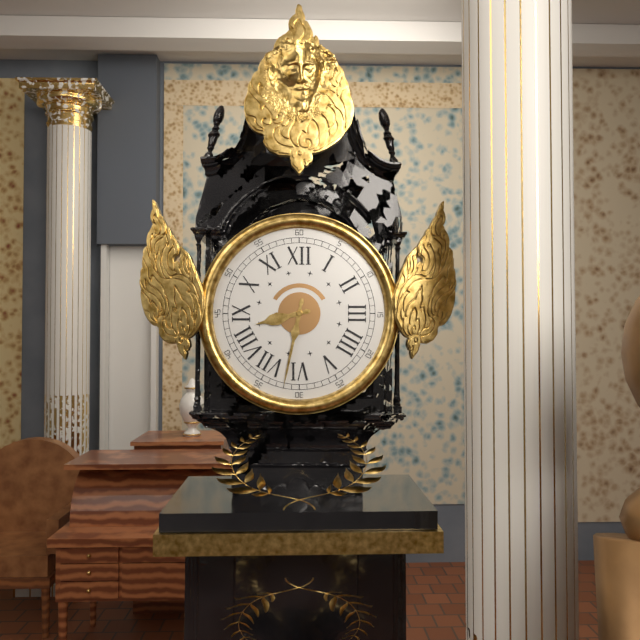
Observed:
{"hour": 8, "minute": 32}
